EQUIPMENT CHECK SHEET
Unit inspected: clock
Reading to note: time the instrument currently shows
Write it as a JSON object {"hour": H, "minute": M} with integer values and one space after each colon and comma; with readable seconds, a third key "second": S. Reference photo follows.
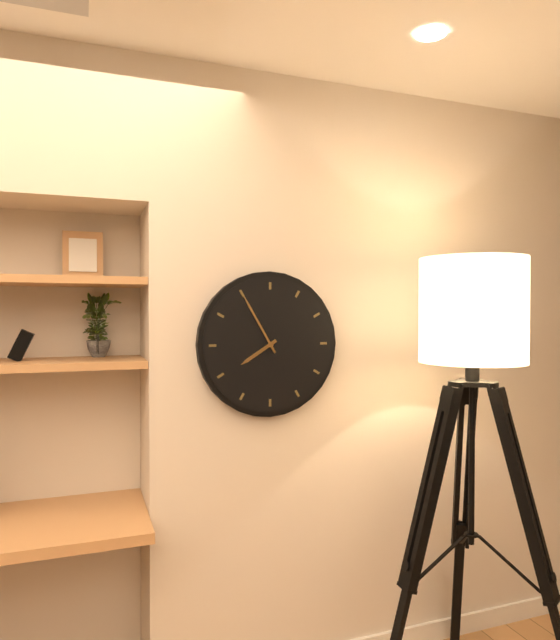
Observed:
{"hour": 7, "minute": 55}
